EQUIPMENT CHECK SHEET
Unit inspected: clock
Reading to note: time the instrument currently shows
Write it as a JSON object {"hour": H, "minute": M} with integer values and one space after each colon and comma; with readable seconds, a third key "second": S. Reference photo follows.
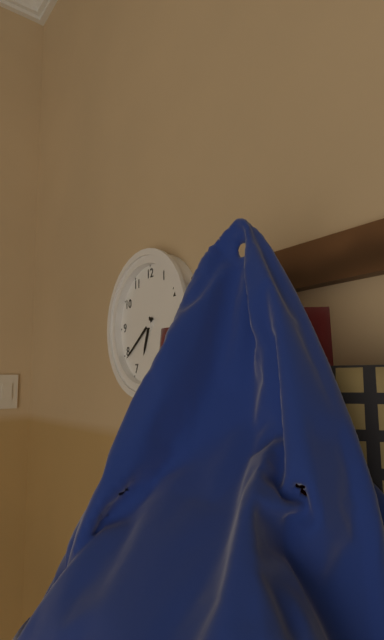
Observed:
{"hour": 6, "minute": 39}
